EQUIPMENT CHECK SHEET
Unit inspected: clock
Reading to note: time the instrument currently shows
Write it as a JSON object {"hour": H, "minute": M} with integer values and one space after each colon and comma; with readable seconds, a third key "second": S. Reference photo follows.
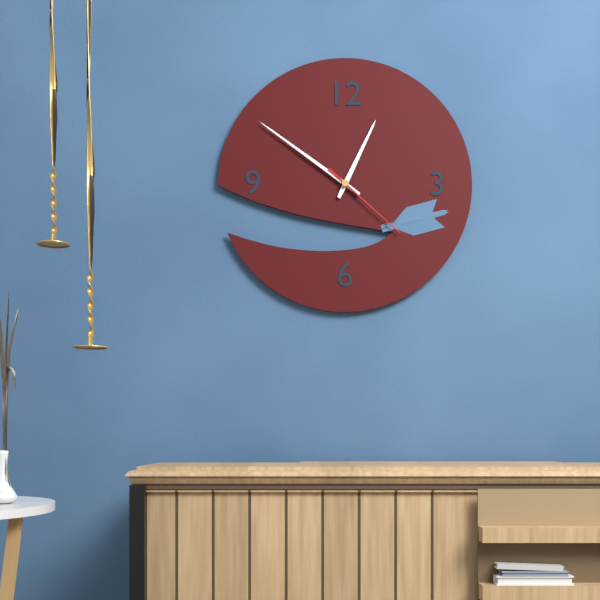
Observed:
{"hour": 12, "minute": 51, "second": 22}
